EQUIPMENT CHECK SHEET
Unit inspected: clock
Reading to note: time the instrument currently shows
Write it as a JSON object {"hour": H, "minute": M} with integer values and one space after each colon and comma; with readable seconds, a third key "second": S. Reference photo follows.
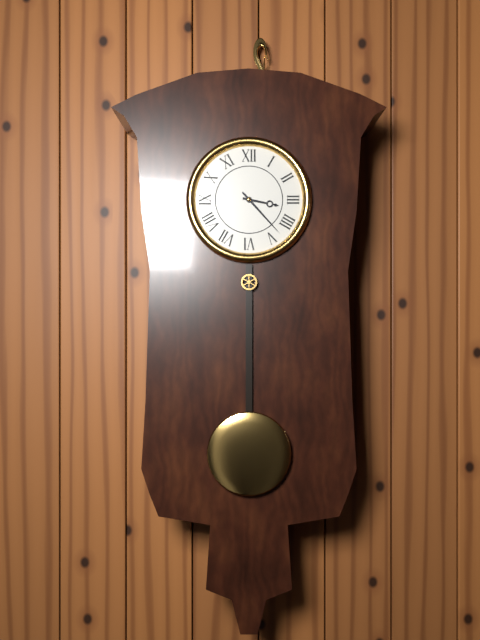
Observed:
{"hour": 3, "minute": 23}
